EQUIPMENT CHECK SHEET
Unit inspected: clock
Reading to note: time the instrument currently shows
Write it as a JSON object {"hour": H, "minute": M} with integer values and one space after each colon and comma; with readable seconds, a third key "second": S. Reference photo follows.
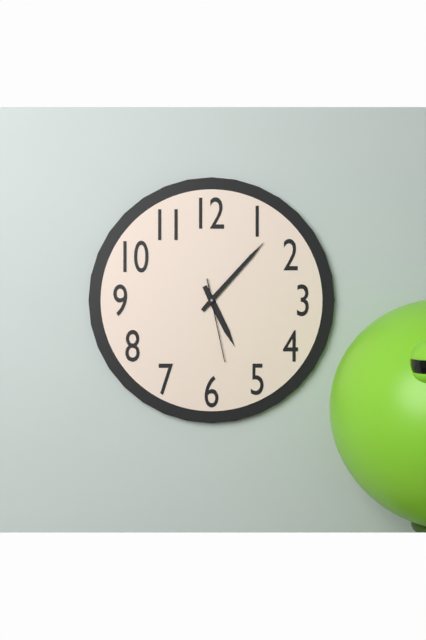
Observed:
{"hour": 5, "minute": 7, "second": 28}
